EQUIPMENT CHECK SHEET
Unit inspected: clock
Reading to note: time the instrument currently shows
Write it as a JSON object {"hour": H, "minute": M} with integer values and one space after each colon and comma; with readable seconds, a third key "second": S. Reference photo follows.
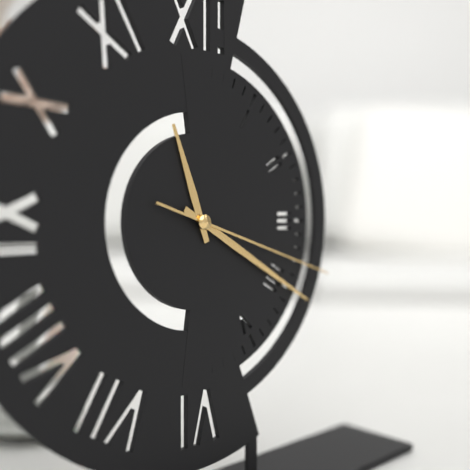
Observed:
{"hour": 11, "minute": 20, "second": 18}
